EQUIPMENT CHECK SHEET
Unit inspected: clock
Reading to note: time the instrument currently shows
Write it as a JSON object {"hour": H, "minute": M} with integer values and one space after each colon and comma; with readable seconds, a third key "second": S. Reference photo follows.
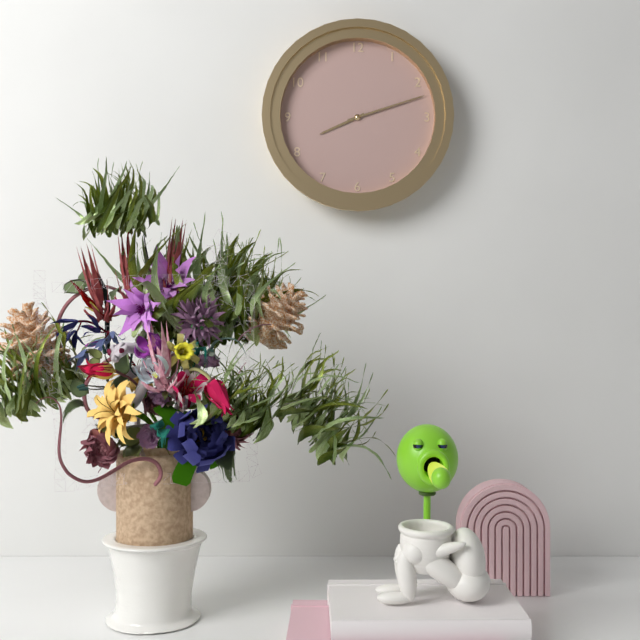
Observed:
{"hour": 8, "minute": 12}
